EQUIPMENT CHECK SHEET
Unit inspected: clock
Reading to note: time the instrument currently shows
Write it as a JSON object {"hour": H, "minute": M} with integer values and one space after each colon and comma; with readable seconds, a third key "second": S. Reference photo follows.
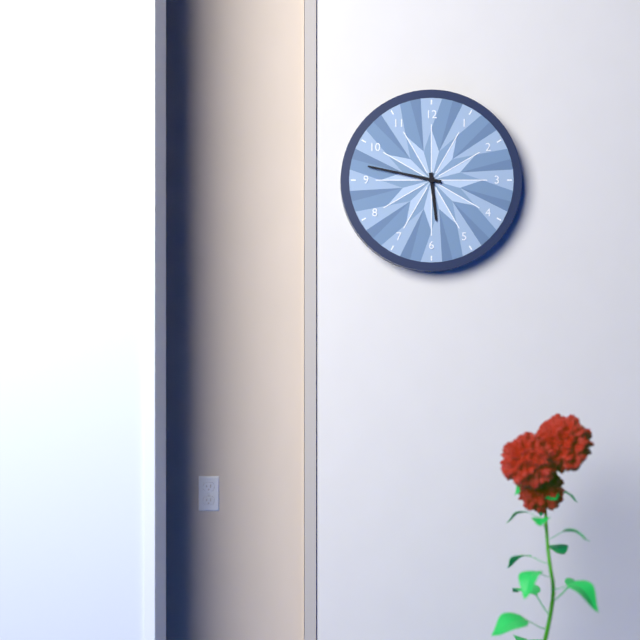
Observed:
{"hour": 5, "minute": 47}
